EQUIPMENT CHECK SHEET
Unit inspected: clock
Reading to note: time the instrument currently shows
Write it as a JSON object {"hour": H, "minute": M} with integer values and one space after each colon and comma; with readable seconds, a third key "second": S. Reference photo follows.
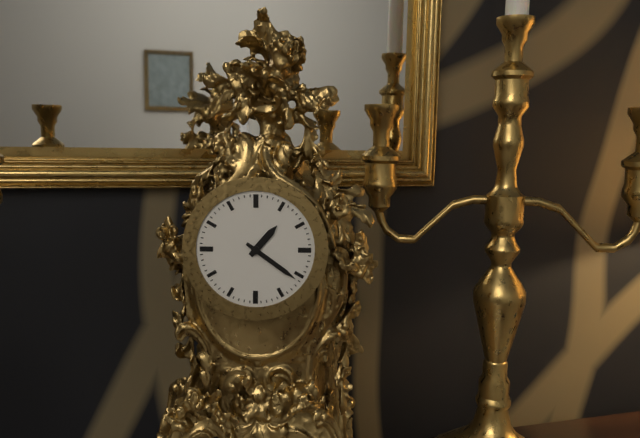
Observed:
{"hour": 1, "minute": 21}
